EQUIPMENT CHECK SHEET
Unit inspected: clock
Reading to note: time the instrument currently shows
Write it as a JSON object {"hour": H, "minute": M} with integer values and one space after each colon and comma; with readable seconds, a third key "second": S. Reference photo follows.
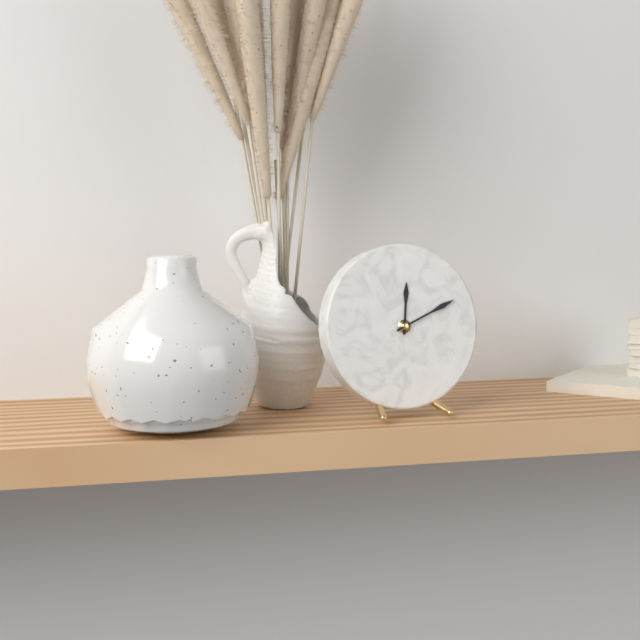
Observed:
{"hour": 12, "minute": 11}
